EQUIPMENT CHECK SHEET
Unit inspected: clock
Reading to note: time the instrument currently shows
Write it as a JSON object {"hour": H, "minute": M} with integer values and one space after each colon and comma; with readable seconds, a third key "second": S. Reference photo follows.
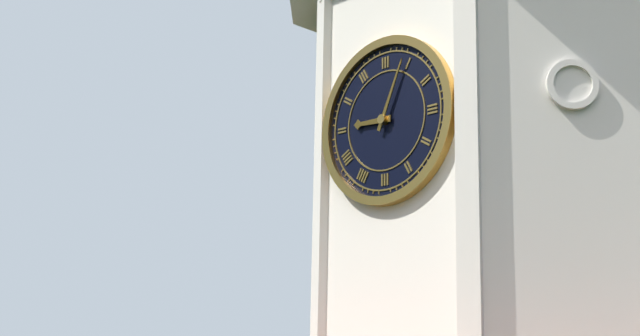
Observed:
{"hour": 9, "minute": 4}
